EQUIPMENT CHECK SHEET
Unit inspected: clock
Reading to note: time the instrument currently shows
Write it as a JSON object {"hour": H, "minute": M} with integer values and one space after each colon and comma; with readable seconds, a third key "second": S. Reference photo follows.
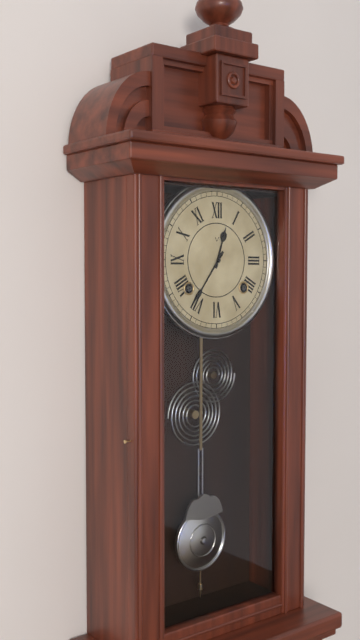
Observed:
{"hour": 12, "minute": 36}
